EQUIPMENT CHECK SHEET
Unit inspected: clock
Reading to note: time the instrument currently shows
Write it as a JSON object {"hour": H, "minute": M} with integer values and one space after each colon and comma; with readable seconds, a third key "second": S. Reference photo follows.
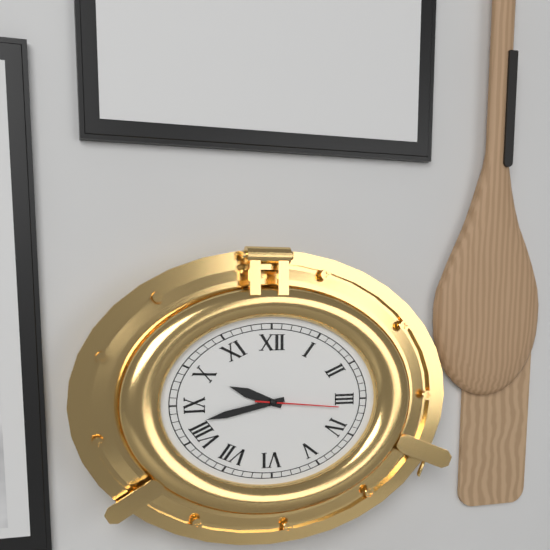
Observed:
{"hour": 9, "minute": 43, "second": 16}
